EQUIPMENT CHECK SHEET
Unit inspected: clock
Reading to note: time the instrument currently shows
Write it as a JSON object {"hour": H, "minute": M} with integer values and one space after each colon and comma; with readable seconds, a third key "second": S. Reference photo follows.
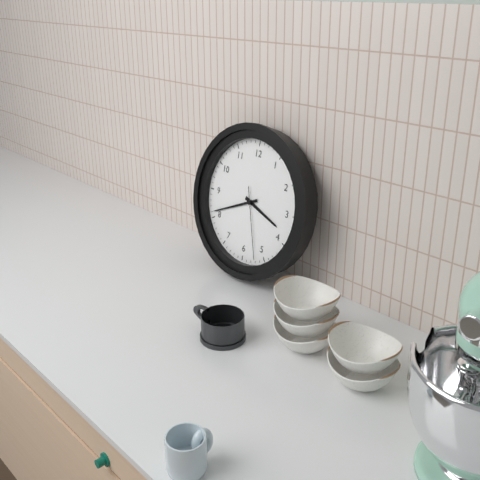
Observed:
{"hour": 3, "minute": 41, "second": 27}
